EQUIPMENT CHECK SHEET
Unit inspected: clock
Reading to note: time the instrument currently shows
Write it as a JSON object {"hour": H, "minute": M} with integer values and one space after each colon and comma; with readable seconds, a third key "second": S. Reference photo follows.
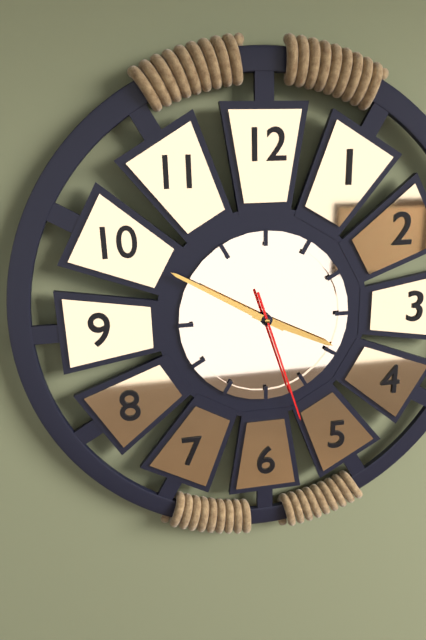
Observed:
{"hour": 3, "minute": 50, "second": 27}
